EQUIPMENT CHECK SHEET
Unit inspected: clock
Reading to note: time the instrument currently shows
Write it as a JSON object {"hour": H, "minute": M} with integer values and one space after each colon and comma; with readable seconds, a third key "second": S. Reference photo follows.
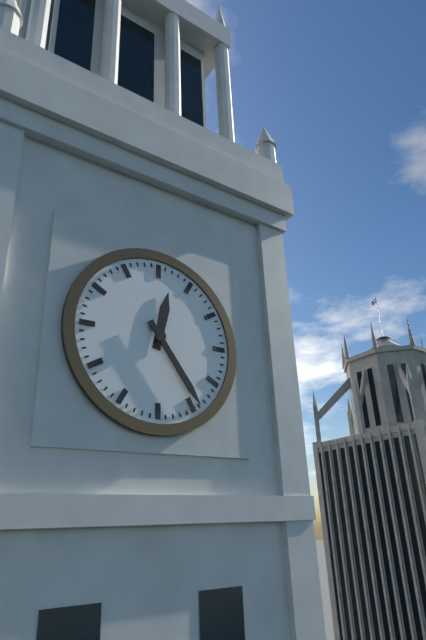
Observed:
{"hour": 12, "minute": 24}
